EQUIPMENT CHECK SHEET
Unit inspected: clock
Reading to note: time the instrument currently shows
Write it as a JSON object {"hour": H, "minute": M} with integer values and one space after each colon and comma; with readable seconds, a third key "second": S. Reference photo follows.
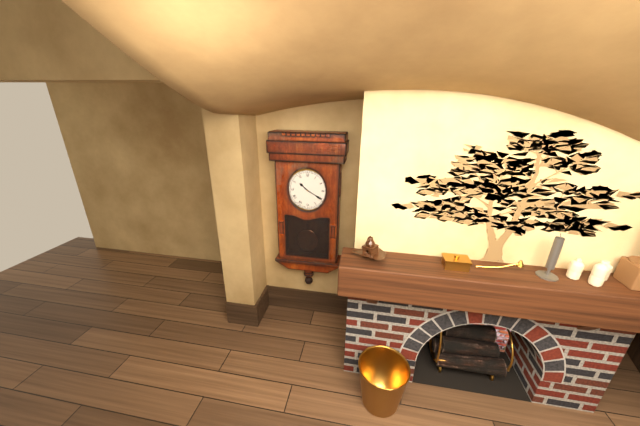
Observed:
{"hour": 10, "minute": 20}
